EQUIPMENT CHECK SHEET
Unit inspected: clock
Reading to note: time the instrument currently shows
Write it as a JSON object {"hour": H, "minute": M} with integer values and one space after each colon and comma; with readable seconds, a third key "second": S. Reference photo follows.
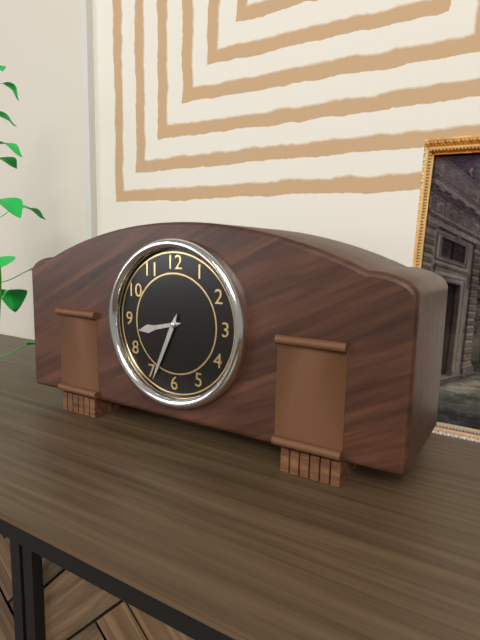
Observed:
{"hour": 8, "minute": 34}
